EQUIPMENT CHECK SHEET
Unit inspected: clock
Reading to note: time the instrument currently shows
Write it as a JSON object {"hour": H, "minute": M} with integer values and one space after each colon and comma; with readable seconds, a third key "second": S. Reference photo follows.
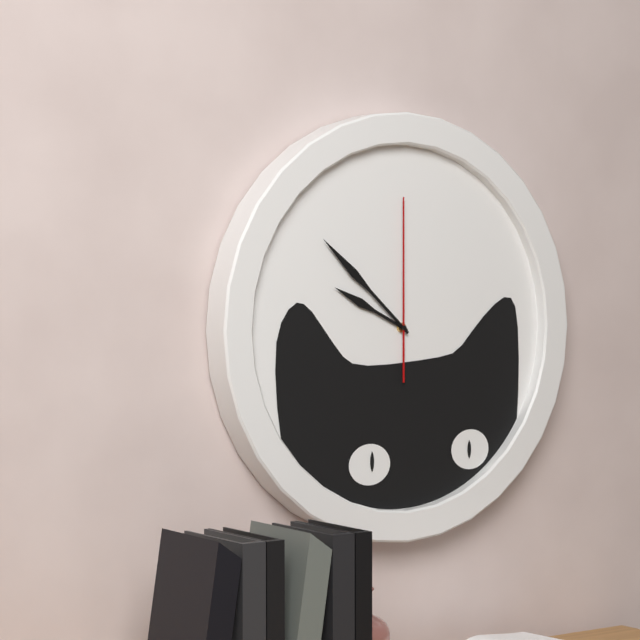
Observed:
{"hour": 9, "minute": 52, "second": 0}
